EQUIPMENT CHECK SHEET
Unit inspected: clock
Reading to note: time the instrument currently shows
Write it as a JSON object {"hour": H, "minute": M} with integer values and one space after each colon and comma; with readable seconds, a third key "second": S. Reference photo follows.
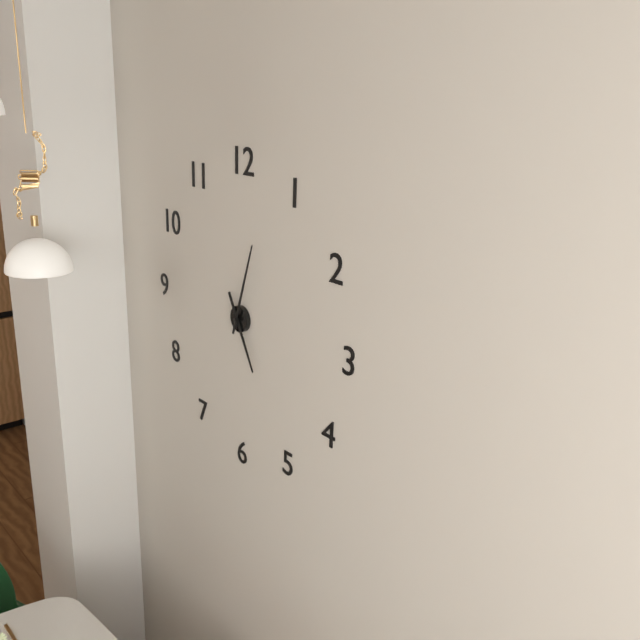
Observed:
{"hour": 5, "minute": 3}
